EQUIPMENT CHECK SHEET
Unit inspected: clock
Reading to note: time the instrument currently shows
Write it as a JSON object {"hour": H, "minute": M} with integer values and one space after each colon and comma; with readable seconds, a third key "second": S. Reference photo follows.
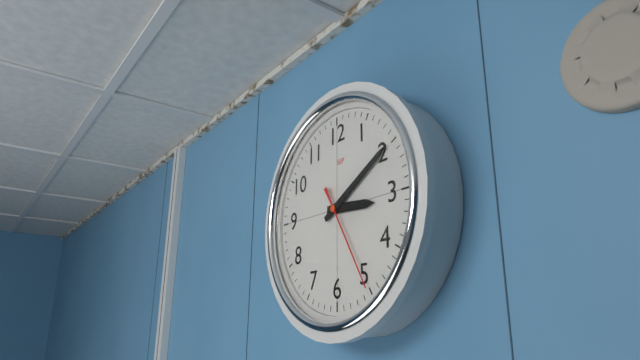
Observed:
{"hour": 3, "minute": 10, "second": 25}
